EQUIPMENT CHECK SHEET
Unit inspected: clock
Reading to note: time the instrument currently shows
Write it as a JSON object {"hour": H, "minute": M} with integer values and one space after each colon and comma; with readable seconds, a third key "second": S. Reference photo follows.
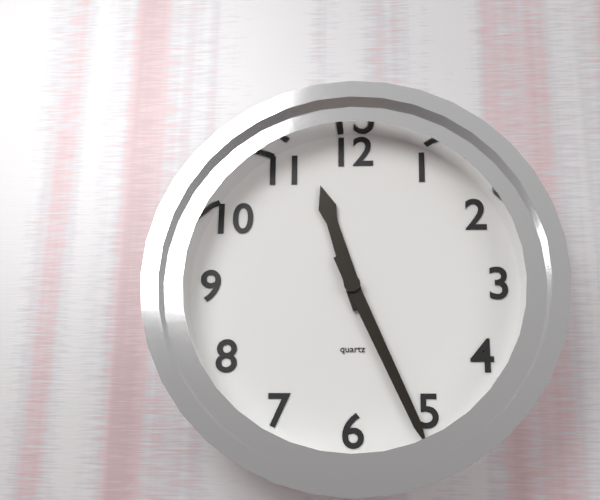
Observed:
{"hour": 11, "minute": 26}
